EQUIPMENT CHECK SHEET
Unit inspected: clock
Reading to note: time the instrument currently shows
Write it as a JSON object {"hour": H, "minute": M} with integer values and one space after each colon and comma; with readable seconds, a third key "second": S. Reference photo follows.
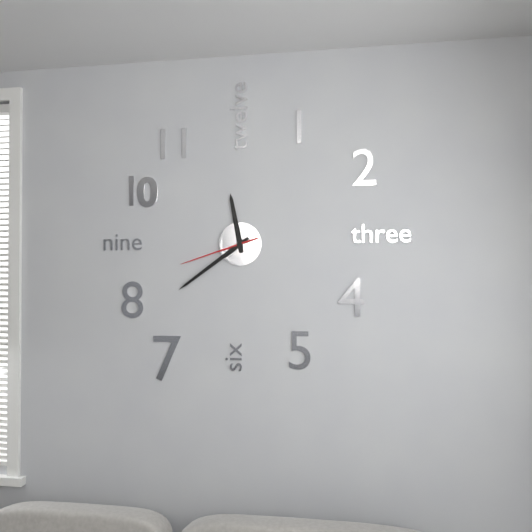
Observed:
{"hour": 11, "minute": 39, "second": 42}
